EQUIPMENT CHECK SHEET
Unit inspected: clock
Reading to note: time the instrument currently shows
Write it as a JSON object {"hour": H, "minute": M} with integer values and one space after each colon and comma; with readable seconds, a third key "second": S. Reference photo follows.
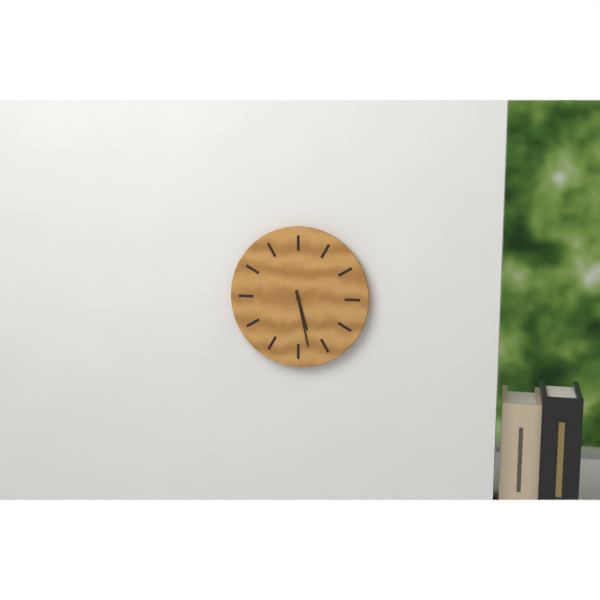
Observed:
{"hour": 5, "minute": 28}
